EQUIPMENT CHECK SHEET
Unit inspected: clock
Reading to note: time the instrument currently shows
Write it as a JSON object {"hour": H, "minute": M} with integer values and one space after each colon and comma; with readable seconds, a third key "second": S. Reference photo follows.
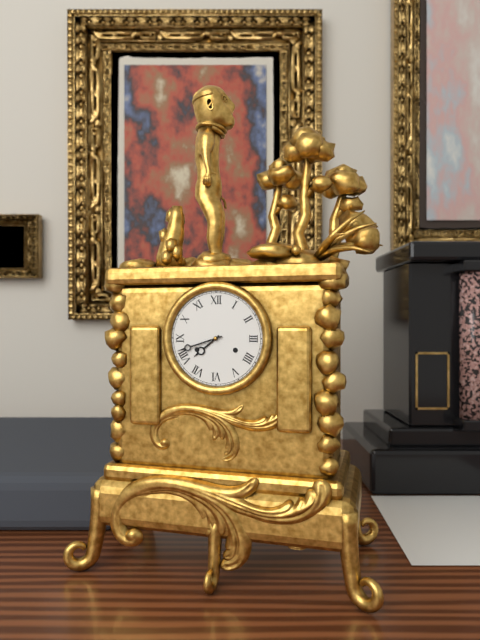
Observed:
{"hour": 7, "minute": 42}
